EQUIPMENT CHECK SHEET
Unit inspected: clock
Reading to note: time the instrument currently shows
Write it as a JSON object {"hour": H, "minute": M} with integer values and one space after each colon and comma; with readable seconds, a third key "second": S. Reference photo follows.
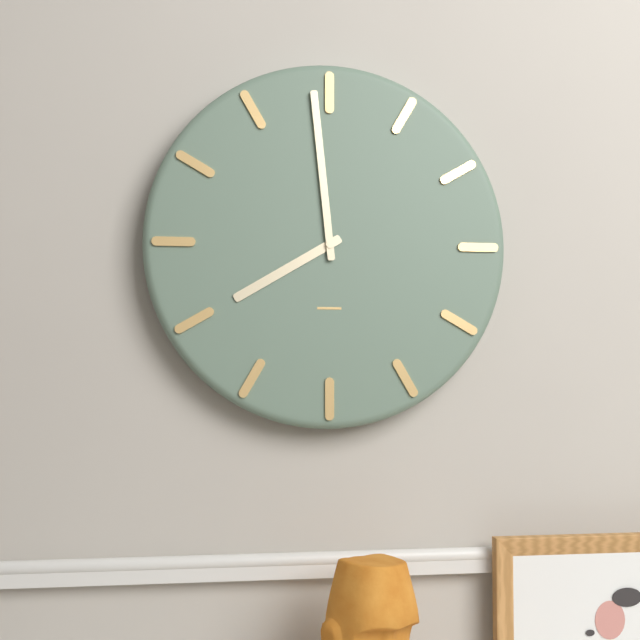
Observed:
{"hour": 7, "minute": 59}
